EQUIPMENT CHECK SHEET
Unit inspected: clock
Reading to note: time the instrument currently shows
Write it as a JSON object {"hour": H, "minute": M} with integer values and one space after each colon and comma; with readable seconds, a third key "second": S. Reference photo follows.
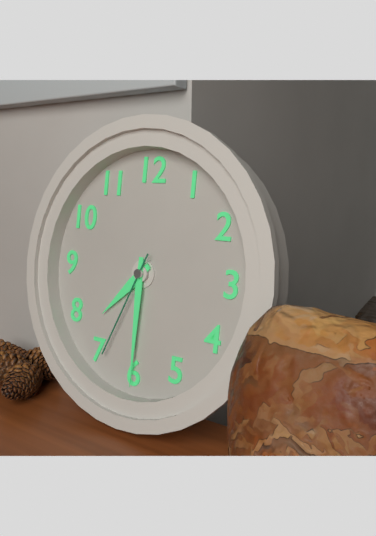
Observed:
{"hour": 7, "minute": 30, "second": 34}
